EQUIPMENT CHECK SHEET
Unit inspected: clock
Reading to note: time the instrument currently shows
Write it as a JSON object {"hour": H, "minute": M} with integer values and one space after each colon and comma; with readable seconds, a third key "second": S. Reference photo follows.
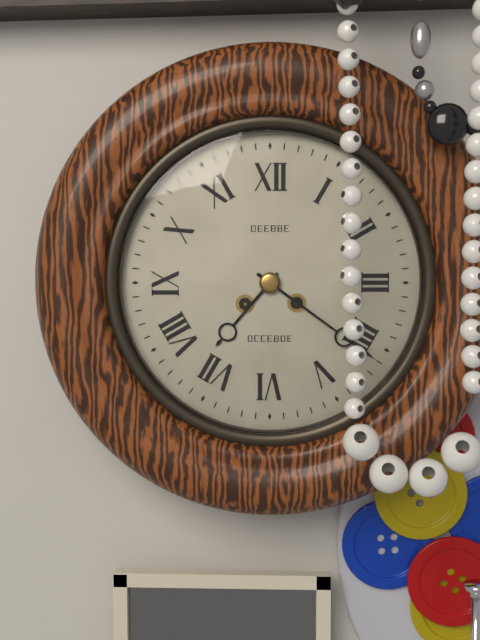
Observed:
{"hour": 7, "minute": 21}
